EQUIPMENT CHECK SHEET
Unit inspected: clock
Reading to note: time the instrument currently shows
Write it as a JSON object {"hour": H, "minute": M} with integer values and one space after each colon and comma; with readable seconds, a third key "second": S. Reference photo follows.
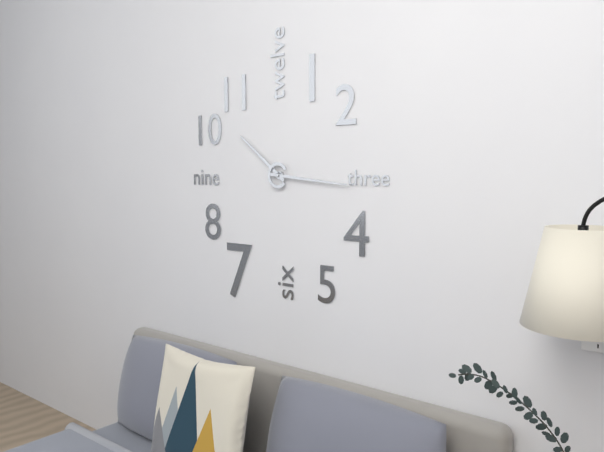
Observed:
{"hour": 10, "minute": 16}
